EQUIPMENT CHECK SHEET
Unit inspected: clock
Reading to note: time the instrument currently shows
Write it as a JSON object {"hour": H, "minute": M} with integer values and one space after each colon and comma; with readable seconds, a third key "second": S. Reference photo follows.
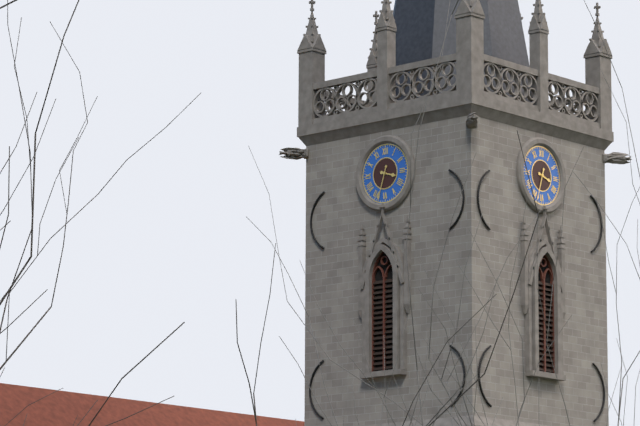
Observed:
{"hour": 3, "minute": 33}
